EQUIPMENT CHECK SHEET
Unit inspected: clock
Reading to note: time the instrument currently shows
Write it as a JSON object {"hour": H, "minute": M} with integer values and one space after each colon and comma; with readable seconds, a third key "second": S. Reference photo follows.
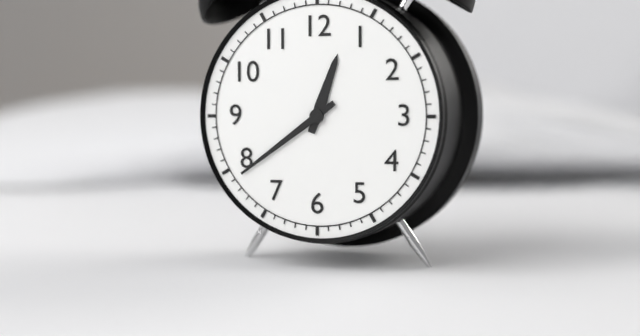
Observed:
{"hour": 12, "minute": 39}
